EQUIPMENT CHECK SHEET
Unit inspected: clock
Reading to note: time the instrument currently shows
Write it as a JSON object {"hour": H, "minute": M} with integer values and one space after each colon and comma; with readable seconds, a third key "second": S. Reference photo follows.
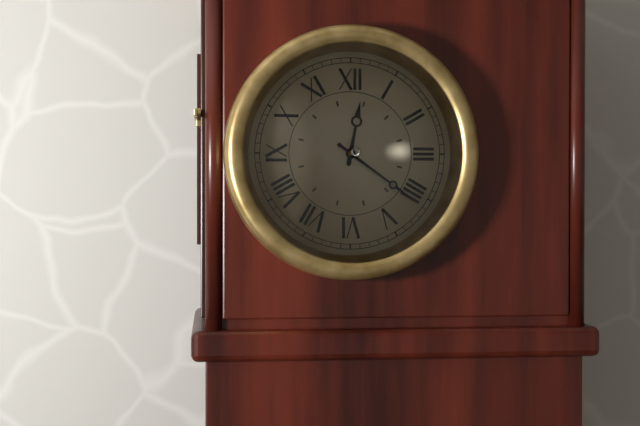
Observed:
{"hour": 12, "minute": 21}
